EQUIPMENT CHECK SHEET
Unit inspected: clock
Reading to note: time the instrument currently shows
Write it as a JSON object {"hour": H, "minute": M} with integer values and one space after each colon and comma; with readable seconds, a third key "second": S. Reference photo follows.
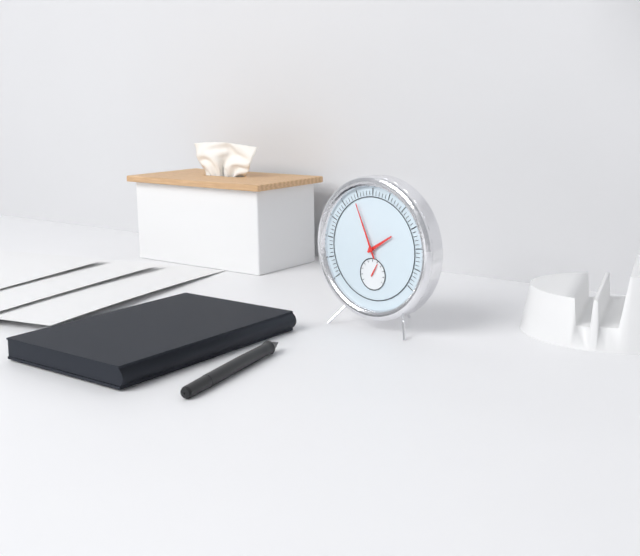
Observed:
{"hour": 1, "minute": 56}
